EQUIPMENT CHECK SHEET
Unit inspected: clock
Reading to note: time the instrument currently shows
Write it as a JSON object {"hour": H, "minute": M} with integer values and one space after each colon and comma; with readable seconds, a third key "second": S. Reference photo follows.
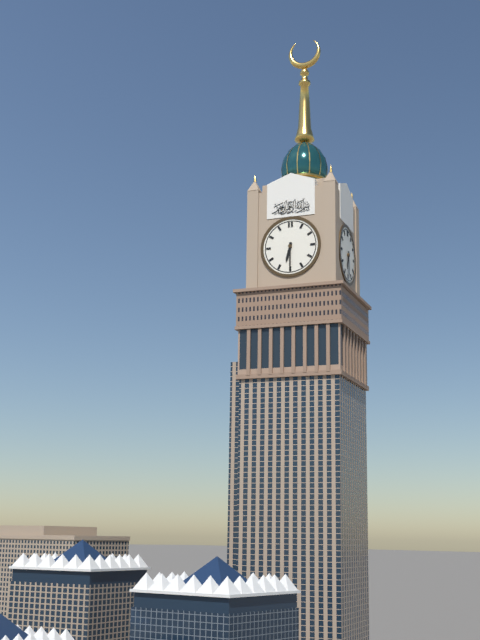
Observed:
{"hour": 6, "minute": 30}
